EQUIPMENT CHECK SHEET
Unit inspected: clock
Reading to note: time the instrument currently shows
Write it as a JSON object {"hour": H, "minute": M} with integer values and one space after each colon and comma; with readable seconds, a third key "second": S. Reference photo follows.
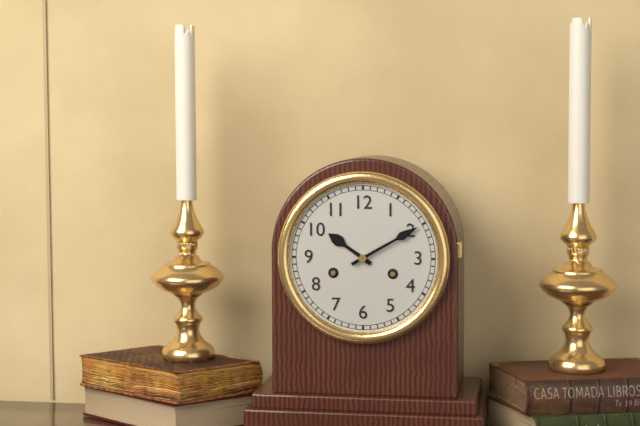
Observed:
{"hour": 10, "minute": 10}
